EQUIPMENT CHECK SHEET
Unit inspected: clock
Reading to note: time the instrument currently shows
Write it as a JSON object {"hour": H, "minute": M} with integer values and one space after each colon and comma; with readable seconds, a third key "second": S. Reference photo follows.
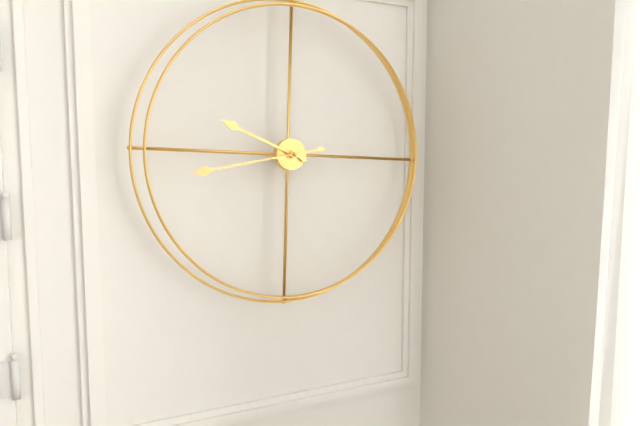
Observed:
{"hour": 9, "minute": 43}
